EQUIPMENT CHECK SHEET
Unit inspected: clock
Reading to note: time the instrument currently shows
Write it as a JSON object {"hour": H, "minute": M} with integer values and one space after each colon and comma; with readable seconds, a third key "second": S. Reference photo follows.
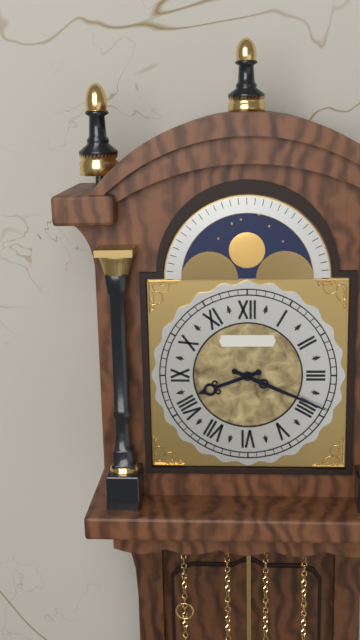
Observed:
{"hour": 8, "minute": 19}
